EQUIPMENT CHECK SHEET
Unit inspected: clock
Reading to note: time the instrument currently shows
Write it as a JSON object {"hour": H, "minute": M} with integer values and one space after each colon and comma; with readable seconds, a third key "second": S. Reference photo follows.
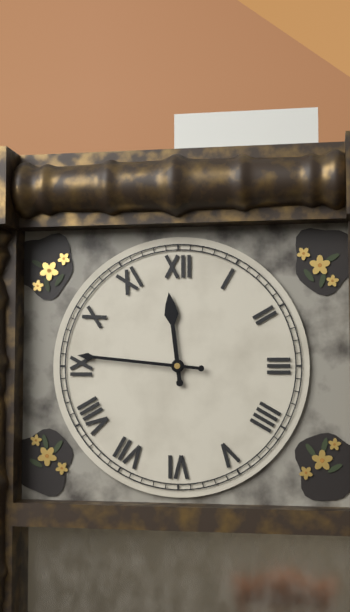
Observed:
{"hour": 11, "minute": 46}
